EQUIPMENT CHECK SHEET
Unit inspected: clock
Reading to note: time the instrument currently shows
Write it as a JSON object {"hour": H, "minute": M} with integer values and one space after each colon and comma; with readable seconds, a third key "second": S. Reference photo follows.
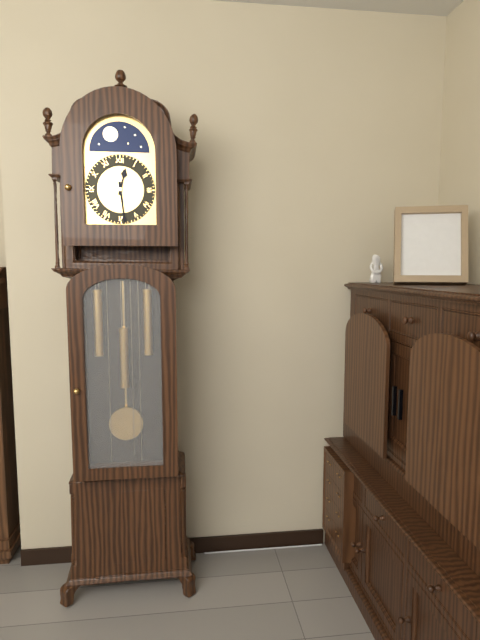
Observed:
{"hour": 12, "minute": 29}
